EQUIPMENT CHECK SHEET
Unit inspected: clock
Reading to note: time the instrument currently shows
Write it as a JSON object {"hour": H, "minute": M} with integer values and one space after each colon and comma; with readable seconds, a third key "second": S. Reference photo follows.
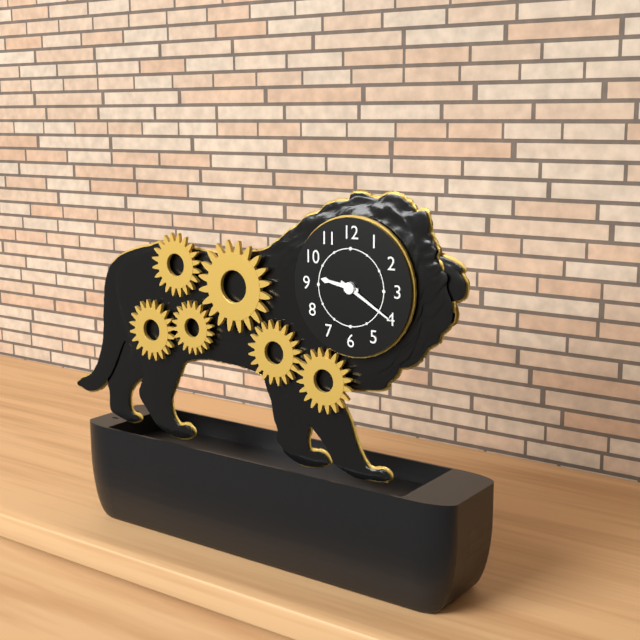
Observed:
{"hour": 9, "minute": 20}
